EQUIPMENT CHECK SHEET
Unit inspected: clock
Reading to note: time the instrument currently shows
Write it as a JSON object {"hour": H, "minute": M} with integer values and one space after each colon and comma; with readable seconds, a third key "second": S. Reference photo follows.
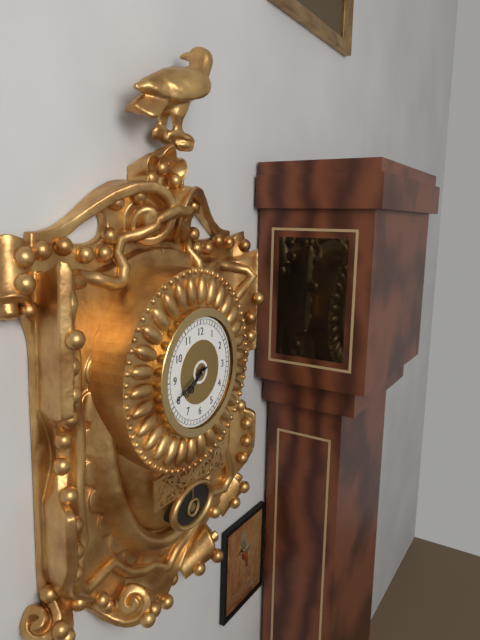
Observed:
{"hour": 7, "minute": 41}
